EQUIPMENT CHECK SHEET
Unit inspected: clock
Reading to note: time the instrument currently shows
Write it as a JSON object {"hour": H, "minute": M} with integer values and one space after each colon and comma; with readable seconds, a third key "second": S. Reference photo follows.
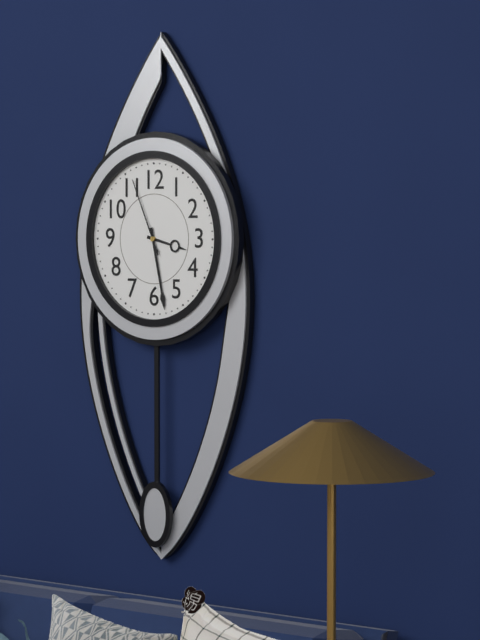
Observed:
{"hour": 3, "minute": 28, "second": 56}
